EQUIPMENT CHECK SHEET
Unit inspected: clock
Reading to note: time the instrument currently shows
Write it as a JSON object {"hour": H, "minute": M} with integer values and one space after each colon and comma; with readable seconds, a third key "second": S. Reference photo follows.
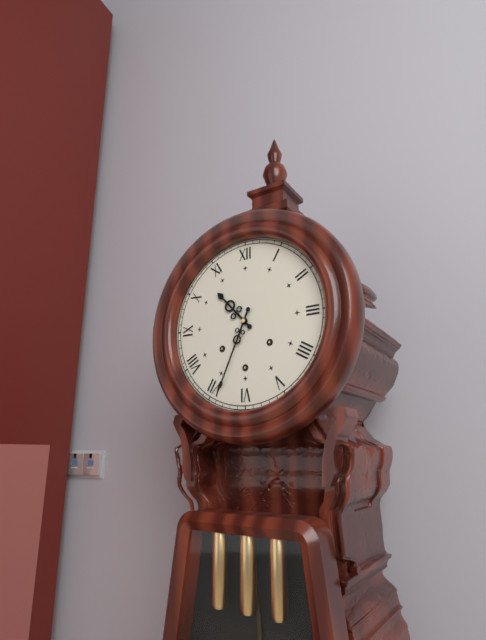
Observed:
{"hour": 10, "minute": 34}
